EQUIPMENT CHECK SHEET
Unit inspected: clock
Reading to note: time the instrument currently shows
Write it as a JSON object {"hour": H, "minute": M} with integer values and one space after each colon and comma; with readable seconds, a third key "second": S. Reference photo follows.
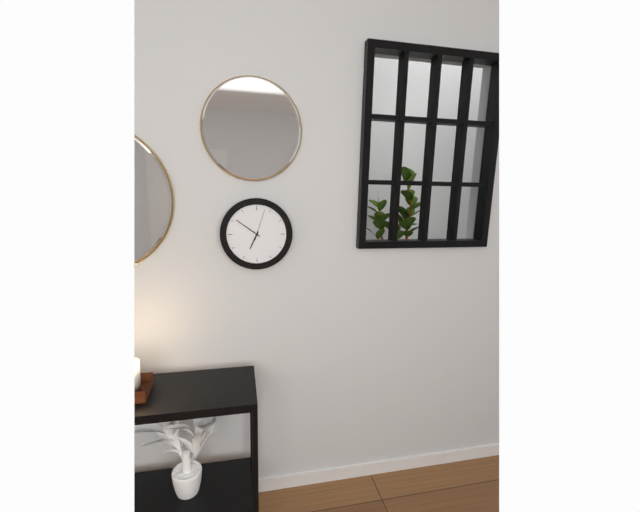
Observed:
{"hour": 6, "minute": 51}
